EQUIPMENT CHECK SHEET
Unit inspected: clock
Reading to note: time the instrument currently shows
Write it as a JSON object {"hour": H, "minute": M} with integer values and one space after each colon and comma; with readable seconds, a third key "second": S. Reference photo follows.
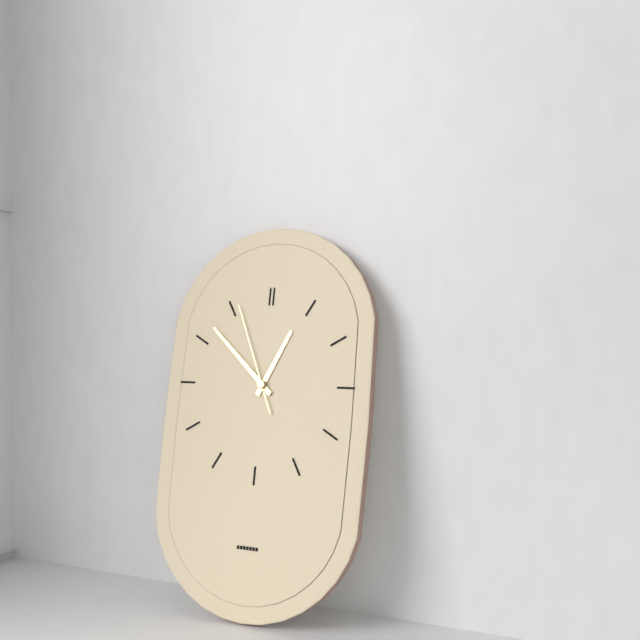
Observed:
{"hour": 12, "minute": 52, "second": 56}
